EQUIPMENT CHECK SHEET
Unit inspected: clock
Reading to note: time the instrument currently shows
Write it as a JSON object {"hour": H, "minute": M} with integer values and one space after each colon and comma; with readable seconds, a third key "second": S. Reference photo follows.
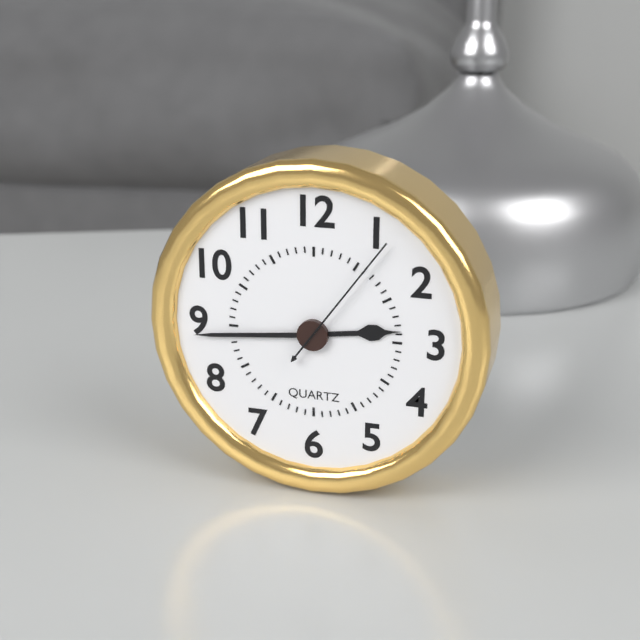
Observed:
{"hour": 2, "minute": 44, "second": 6}
